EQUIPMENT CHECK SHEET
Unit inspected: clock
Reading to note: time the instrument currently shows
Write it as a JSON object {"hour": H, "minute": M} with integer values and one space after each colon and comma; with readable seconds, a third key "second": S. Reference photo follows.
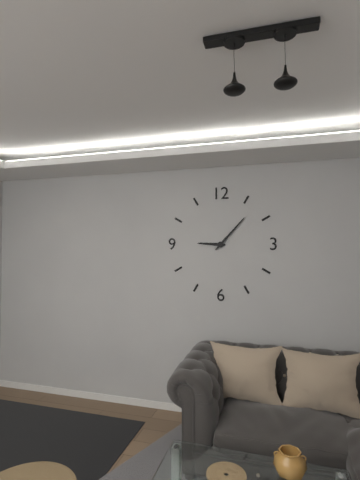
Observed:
{"hour": 9, "minute": 7}
